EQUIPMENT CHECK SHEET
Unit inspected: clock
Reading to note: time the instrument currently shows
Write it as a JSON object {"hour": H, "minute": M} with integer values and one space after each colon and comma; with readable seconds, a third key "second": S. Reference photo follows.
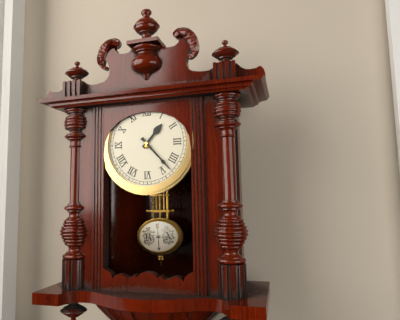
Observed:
{"hour": 1, "minute": 23}
